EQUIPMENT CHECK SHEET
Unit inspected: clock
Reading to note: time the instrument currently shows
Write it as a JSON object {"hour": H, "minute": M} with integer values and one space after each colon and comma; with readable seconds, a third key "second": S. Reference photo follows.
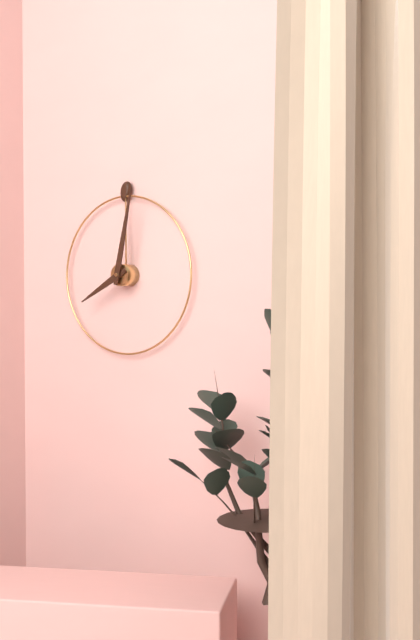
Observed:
{"hour": 8, "minute": 2}
